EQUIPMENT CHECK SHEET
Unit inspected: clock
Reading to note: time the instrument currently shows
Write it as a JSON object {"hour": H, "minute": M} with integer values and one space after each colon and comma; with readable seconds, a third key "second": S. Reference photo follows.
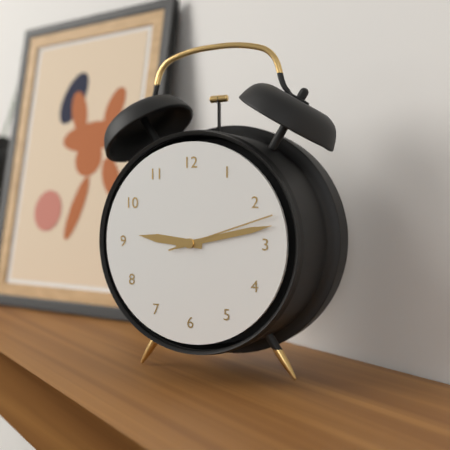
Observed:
{"hour": 9, "minute": 13, "second": 12}
